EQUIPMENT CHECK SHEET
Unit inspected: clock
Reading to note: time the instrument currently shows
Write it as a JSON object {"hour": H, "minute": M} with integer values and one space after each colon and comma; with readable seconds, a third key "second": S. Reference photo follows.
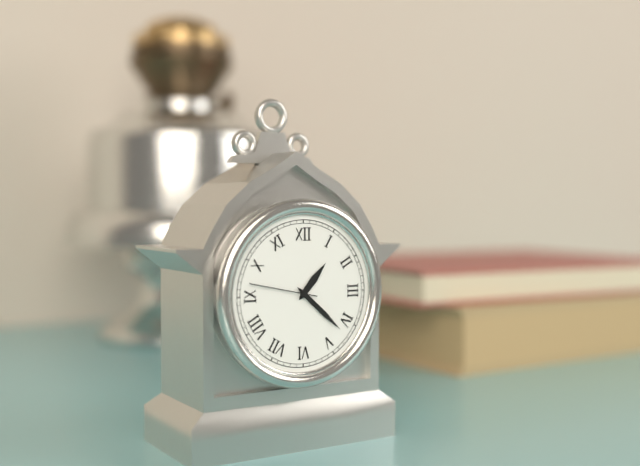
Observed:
{"hour": 1, "minute": 22, "second": 47}
